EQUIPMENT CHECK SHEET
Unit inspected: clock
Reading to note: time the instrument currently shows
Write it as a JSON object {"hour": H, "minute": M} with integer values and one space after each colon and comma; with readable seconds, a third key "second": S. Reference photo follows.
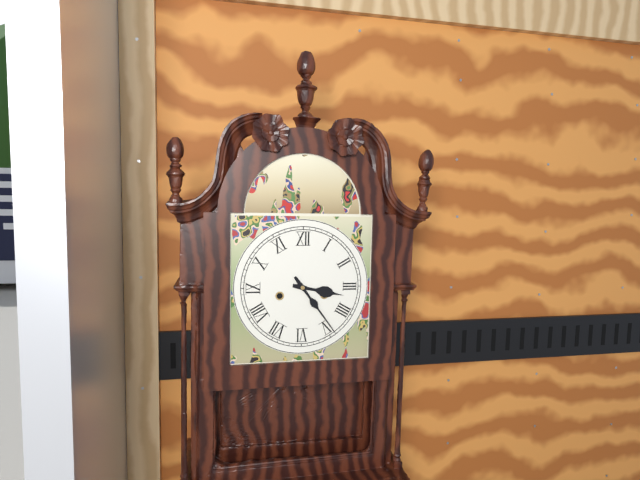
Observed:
{"hour": 3, "minute": 24}
